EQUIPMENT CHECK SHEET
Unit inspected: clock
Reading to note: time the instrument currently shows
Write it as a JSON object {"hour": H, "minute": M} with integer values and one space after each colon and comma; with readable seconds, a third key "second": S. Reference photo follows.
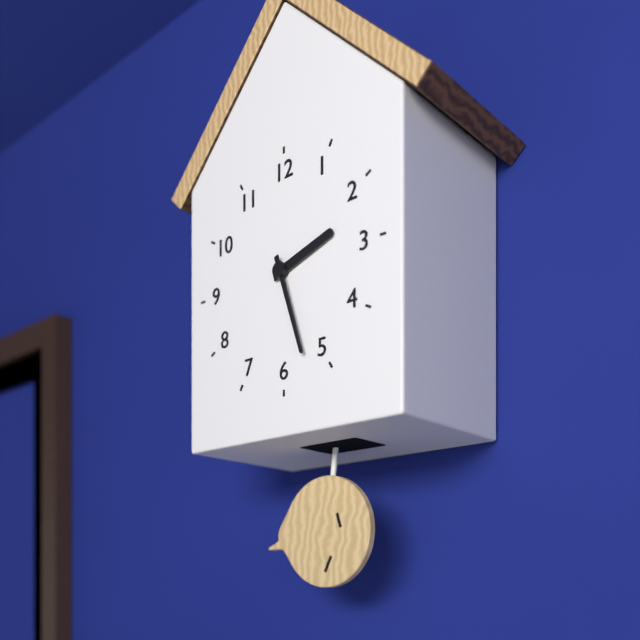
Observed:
{"hour": 2, "minute": 27}
